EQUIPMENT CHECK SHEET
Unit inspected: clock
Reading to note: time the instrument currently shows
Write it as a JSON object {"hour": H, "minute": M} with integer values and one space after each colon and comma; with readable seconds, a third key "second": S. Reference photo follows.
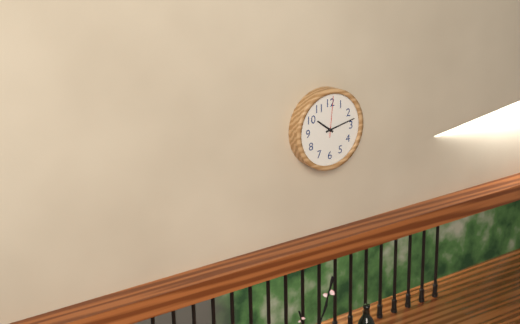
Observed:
{"hour": 10, "minute": 13}
